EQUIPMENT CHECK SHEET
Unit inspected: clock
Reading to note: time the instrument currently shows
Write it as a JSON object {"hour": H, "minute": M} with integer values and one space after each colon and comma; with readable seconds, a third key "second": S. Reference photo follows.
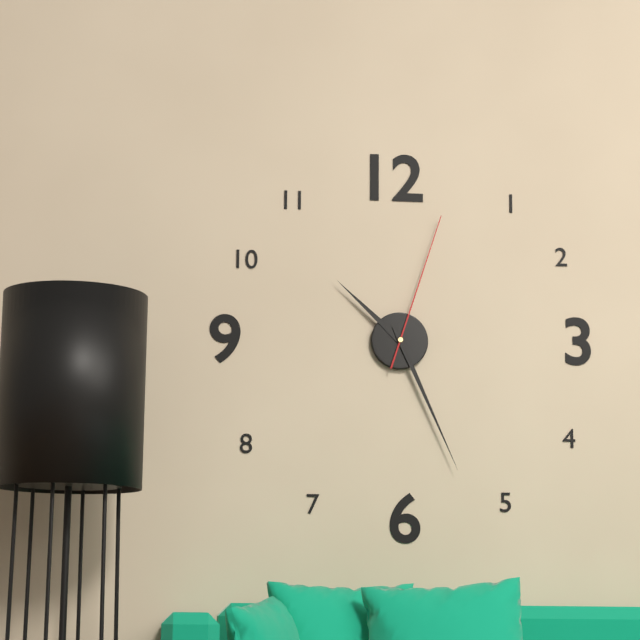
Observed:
{"hour": 10, "minute": 26, "second": 3}
